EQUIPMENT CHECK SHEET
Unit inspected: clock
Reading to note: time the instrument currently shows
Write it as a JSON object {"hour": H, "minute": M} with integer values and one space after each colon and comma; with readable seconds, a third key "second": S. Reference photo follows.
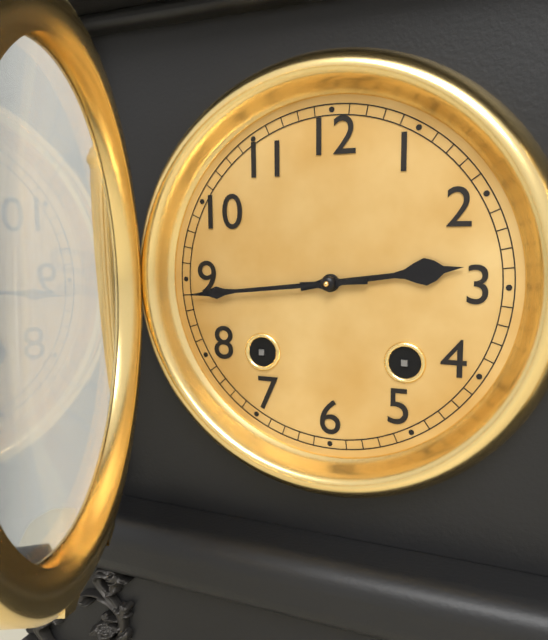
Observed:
{"hour": 2, "minute": 44}
